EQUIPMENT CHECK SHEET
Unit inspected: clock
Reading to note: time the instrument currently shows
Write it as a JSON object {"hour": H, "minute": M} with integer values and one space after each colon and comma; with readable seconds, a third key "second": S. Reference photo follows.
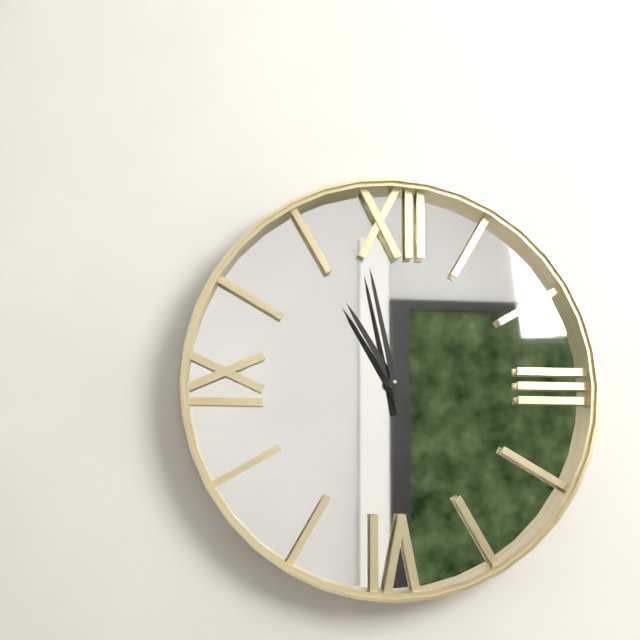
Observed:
{"hour": 10, "minute": 58}
